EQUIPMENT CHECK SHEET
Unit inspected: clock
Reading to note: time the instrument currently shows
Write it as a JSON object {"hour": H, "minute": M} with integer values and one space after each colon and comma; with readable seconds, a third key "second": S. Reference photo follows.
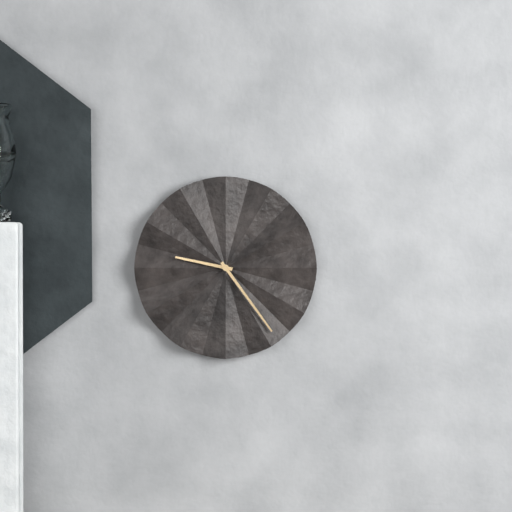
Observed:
{"hour": 9, "minute": 24}
